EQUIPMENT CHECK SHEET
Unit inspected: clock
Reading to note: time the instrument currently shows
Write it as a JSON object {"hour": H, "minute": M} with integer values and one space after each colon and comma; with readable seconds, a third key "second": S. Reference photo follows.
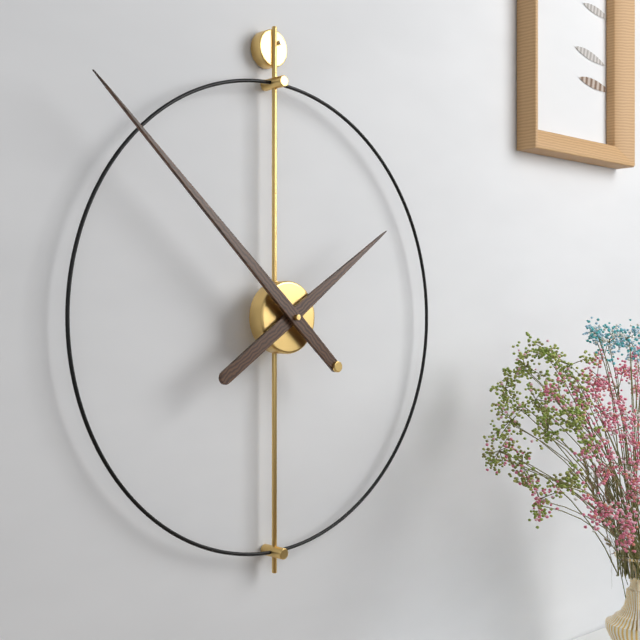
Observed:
{"hour": 1, "minute": 52}
